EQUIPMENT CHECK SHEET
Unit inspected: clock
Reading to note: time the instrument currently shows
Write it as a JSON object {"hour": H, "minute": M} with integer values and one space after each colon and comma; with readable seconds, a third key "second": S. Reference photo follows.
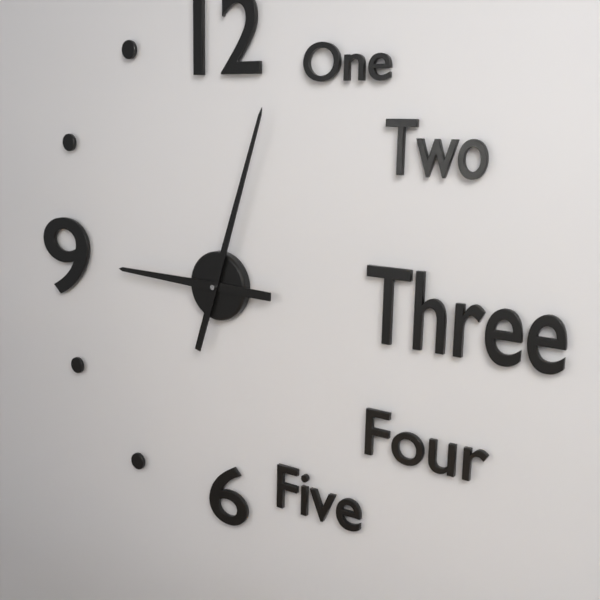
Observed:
{"hour": 9, "minute": 3}
